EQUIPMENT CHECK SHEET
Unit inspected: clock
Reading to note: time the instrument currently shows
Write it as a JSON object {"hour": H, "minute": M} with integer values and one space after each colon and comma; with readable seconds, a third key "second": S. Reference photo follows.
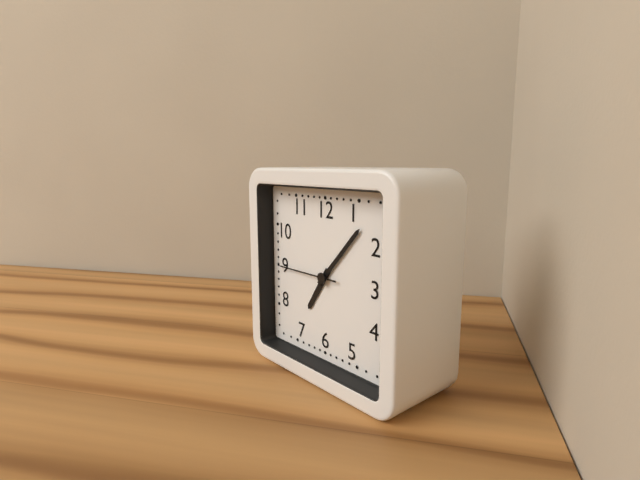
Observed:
{"hour": 7, "minute": 7, "second": 45}
